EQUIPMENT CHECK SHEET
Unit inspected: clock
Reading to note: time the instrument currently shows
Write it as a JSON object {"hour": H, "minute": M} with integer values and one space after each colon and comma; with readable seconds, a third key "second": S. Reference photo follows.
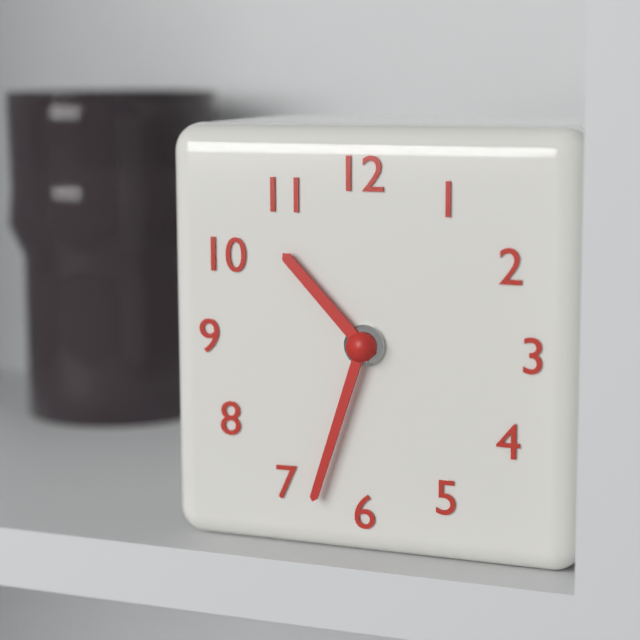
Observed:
{"hour": 10, "minute": 33}
